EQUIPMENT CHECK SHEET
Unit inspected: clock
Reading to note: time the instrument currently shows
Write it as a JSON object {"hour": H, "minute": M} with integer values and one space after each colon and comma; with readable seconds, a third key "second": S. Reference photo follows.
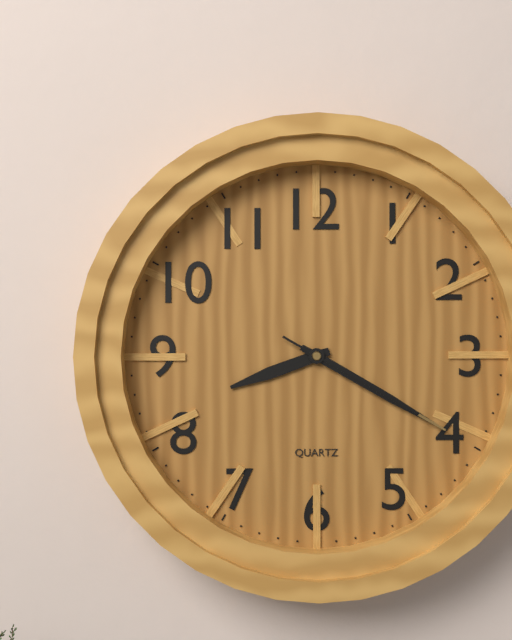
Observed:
{"hour": 8, "minute": 20, "second": 20}
